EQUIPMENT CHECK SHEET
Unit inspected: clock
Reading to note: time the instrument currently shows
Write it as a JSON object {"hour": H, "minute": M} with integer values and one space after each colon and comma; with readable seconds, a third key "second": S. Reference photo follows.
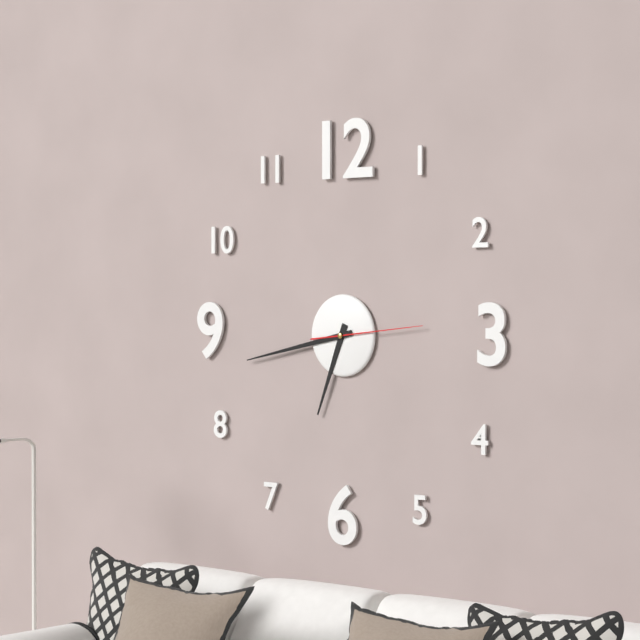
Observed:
{"hour": 6, "minute": 43, "second": 14}
